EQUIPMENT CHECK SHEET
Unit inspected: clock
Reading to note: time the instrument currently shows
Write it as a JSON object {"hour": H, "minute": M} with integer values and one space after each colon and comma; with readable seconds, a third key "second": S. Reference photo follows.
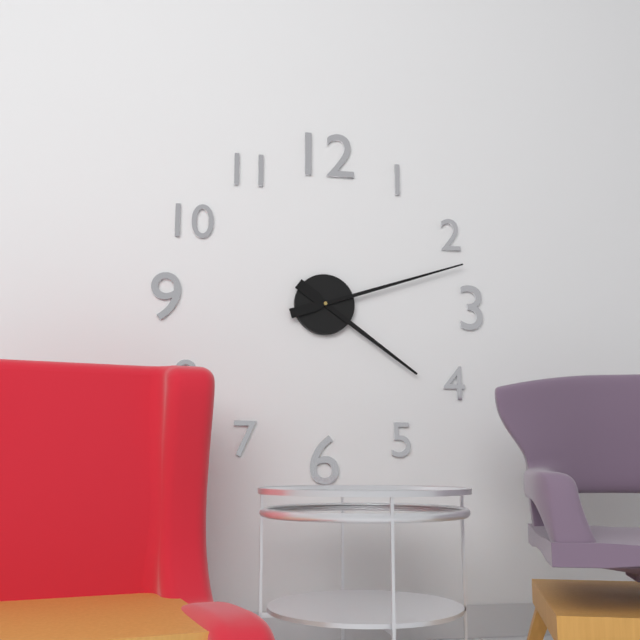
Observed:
{"hour": 4, "minute": 12}
